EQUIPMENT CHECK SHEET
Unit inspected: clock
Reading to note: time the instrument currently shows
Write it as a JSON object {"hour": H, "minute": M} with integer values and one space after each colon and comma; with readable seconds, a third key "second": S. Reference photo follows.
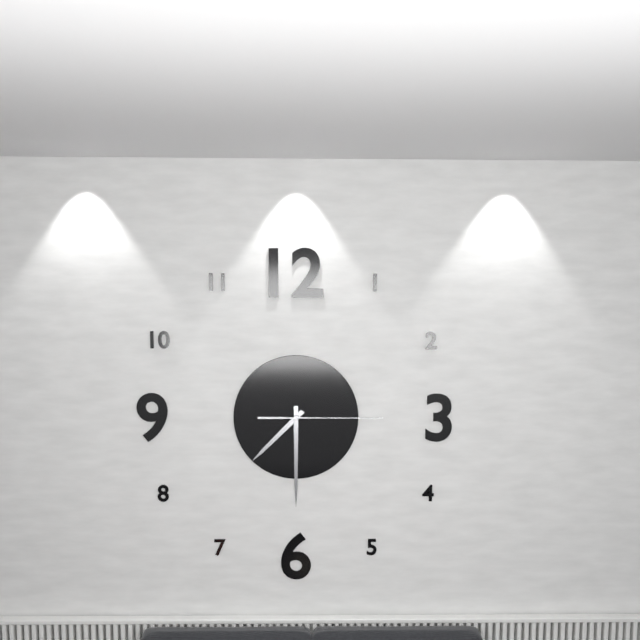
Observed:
{"hour": 7, "minute": 30, "second": 15}
